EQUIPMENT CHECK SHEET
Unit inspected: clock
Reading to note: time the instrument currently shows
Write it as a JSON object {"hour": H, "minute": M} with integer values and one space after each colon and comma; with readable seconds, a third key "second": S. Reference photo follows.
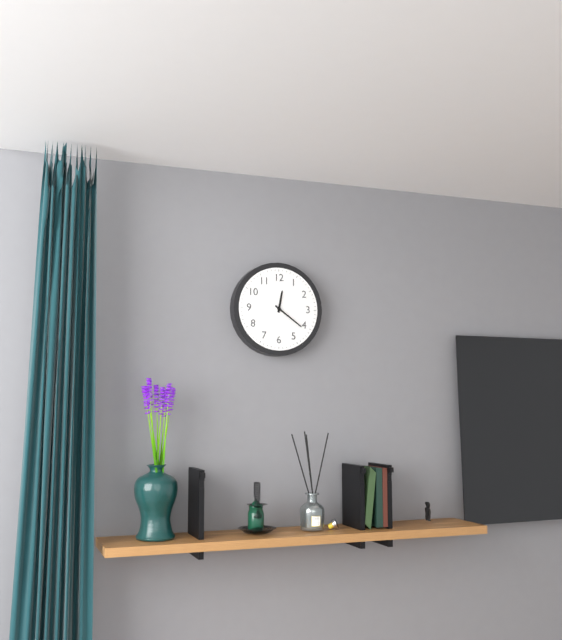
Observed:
{"hour": 12, "minute": 21}
